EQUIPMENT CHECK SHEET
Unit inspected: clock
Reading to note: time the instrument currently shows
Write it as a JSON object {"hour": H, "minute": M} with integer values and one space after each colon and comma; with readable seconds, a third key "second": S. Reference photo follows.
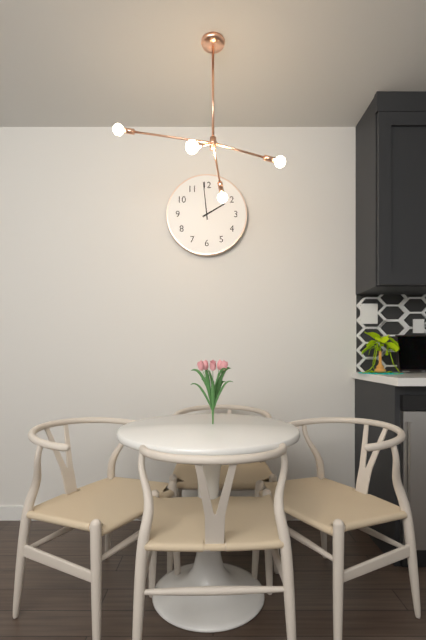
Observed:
{"hour": 1, "minute": 59}
